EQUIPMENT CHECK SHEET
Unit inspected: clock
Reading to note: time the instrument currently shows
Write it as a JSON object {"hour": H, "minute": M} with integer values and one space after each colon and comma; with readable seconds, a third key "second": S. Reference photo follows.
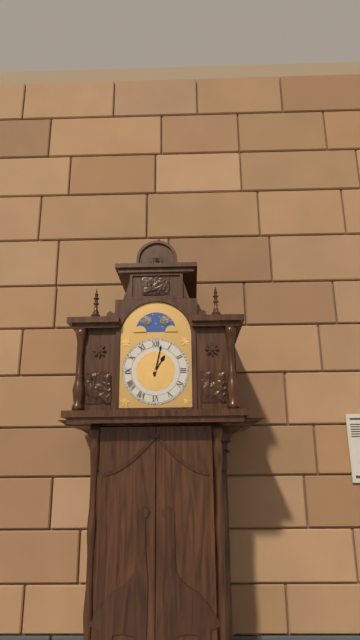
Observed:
{"hour": 1, "minute": 2}
